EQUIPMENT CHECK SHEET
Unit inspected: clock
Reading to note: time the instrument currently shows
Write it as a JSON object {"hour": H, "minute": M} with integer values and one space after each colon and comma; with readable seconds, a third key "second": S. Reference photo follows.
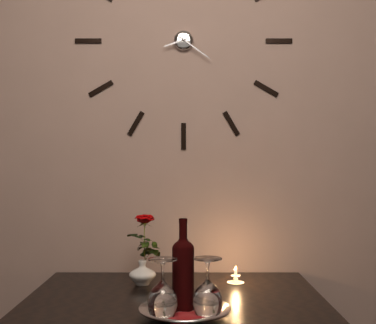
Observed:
{"hour": 8, "minute": 21}
